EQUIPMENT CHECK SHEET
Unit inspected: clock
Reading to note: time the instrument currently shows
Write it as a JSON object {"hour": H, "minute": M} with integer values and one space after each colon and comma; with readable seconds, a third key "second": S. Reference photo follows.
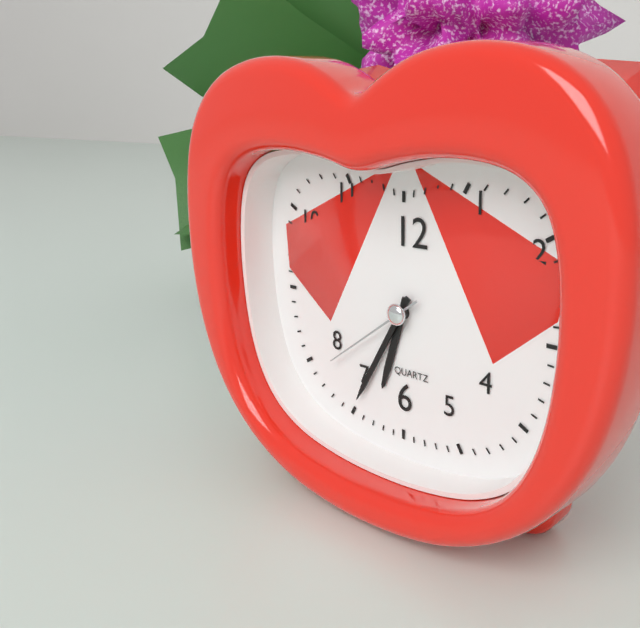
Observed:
{"hour": 6, "minute": 35, "second": 39}
